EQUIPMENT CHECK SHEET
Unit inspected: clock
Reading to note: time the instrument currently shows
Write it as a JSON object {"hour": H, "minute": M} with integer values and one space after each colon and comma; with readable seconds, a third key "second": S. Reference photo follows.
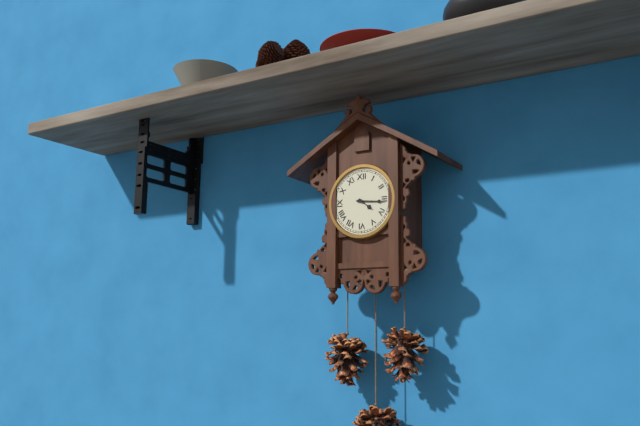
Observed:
{"hour": 4, "minute": 16}
